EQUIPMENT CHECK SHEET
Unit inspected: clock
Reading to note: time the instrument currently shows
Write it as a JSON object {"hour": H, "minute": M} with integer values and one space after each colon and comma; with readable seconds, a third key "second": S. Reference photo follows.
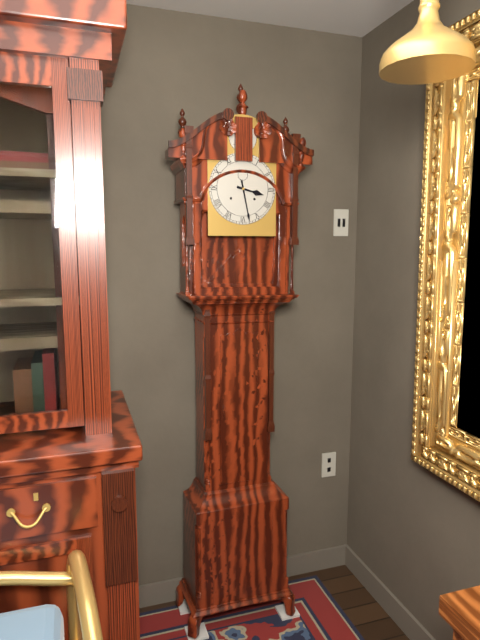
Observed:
{"hour": 3, "minute": 28}
